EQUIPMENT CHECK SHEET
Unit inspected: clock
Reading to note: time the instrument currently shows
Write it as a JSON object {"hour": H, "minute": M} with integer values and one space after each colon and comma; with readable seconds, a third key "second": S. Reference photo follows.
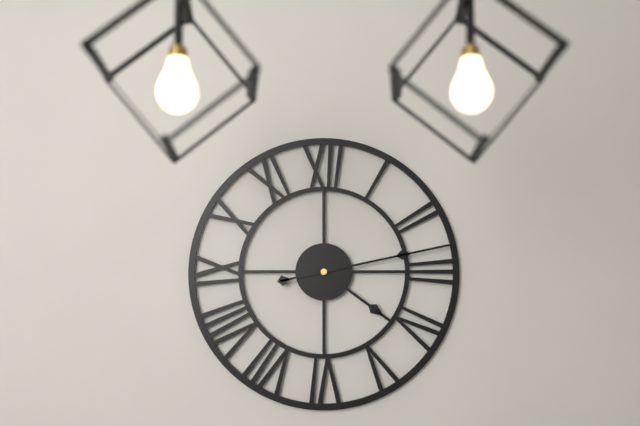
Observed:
{"hour": 4, "minute": 13}
